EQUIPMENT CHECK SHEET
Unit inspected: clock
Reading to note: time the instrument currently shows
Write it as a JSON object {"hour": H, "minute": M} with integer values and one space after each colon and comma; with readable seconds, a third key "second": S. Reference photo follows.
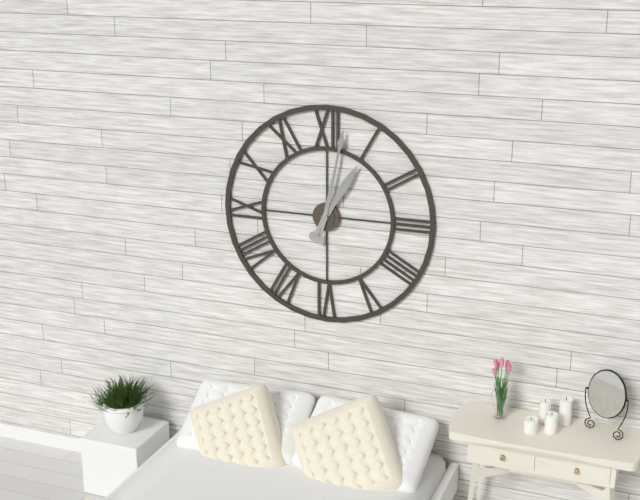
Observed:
{"hour": 1, "minute": 2}
